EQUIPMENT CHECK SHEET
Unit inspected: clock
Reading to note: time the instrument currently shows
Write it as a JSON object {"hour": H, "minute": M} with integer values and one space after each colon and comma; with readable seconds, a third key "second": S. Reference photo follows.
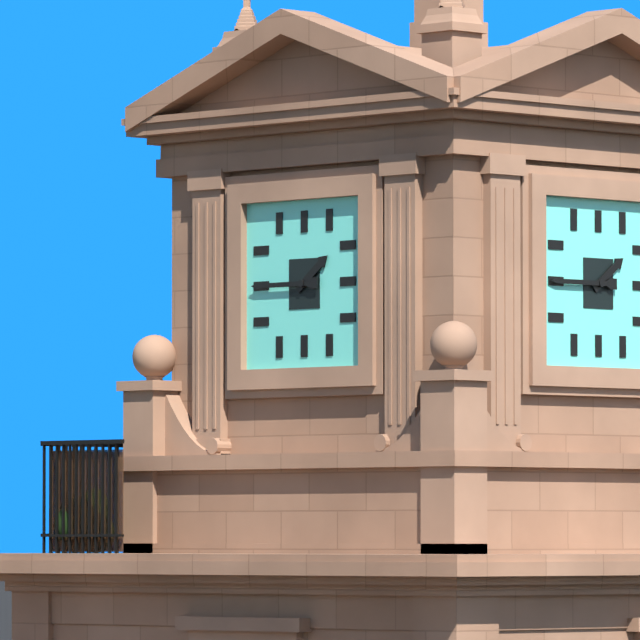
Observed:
{"hour": 1, "minute": 45}
